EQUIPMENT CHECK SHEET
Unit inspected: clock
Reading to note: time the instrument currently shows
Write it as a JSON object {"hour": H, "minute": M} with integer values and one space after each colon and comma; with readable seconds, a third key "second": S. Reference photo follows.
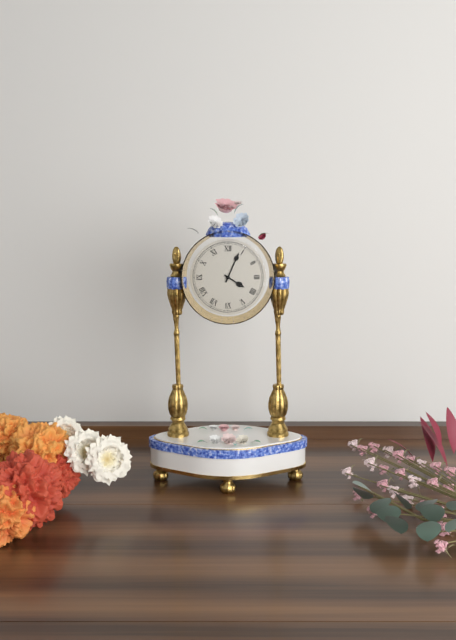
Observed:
{"hour": 4, "minute": 4}
